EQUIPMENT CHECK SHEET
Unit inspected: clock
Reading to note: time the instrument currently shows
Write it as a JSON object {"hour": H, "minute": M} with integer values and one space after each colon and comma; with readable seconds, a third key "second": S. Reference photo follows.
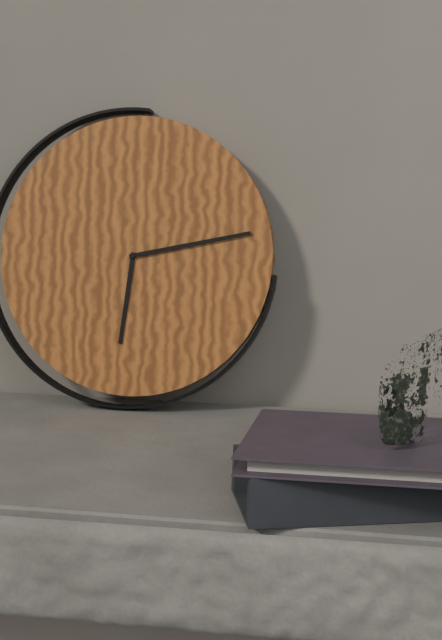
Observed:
{"hour": 6, "minute": 13}
